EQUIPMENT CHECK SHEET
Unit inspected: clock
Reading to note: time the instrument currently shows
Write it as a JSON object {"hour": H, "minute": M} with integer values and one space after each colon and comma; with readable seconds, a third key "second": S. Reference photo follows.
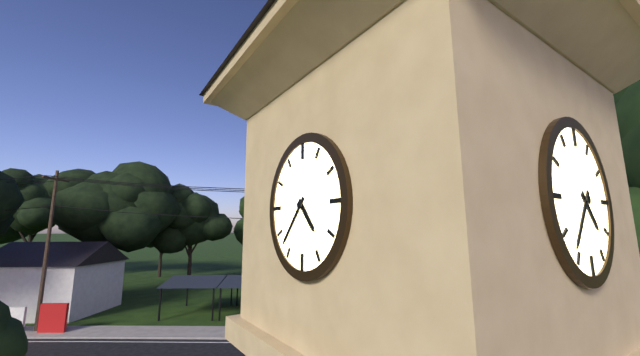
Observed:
{"hour": 4, "minute": 37}
